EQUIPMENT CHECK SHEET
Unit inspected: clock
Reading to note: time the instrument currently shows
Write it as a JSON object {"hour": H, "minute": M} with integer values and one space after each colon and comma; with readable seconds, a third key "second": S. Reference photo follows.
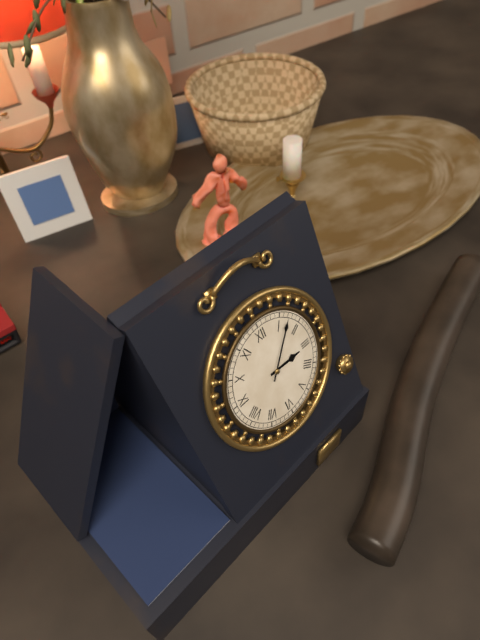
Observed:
{"hour": 3, "minute": 7}
